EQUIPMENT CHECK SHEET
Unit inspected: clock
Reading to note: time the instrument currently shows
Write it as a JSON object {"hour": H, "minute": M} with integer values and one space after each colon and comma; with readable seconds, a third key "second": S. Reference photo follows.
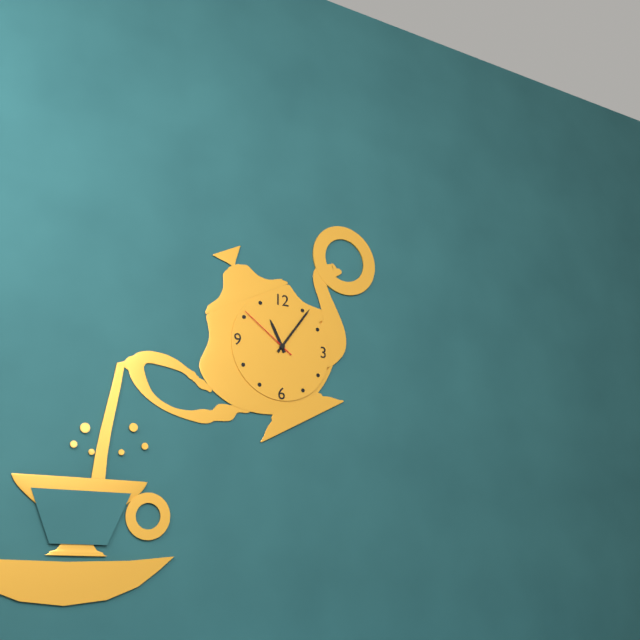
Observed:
{"hour": 11, "minute": 6, "second": 51}
